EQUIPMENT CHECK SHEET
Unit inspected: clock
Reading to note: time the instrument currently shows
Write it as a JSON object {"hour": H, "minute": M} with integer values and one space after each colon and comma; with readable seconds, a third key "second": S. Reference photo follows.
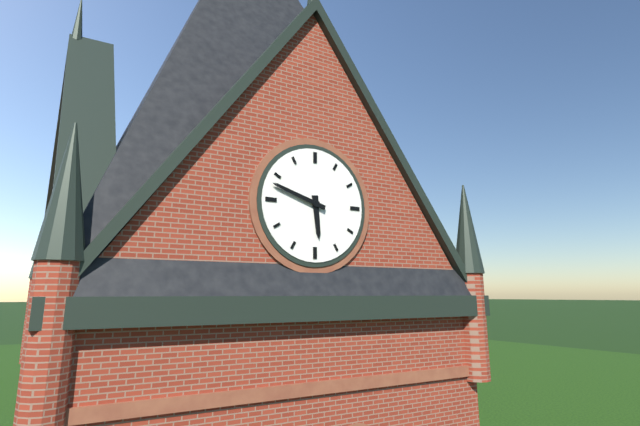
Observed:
{"hour": 5, "minute": 48}
